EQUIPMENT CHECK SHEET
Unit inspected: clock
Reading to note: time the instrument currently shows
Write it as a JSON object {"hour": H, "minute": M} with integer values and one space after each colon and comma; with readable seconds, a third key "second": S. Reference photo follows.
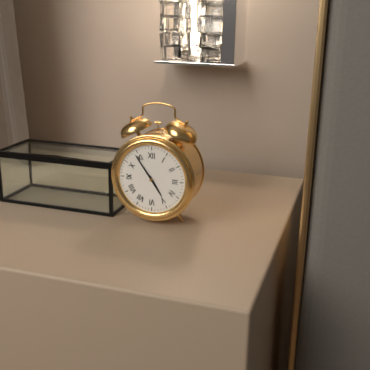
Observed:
{"hour": 4, "minute": 54}
